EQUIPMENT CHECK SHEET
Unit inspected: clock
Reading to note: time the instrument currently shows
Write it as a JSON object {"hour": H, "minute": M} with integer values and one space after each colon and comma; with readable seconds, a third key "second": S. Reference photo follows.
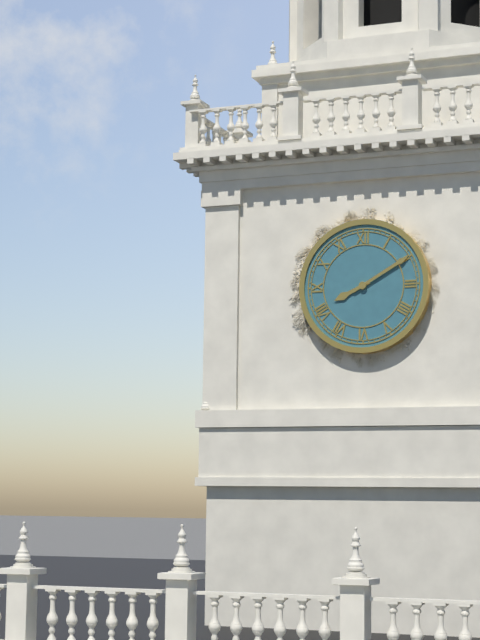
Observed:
{"hour": 8, "minute": 10}
